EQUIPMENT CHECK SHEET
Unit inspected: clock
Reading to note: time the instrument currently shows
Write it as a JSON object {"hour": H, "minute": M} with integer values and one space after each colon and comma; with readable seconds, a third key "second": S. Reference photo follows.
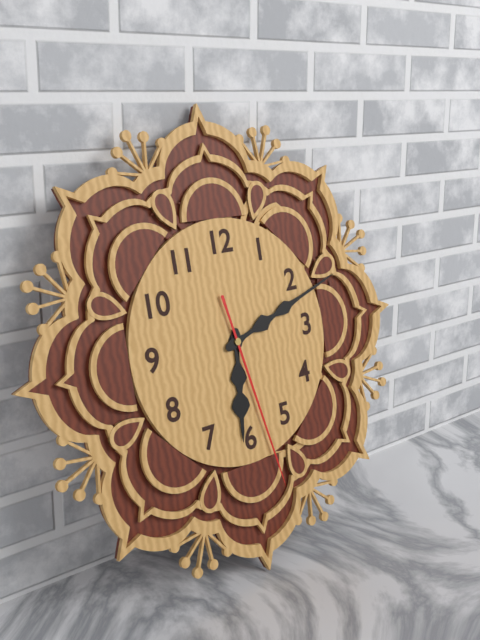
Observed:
{"hour": 6, "minute": 12, "second": 28}
